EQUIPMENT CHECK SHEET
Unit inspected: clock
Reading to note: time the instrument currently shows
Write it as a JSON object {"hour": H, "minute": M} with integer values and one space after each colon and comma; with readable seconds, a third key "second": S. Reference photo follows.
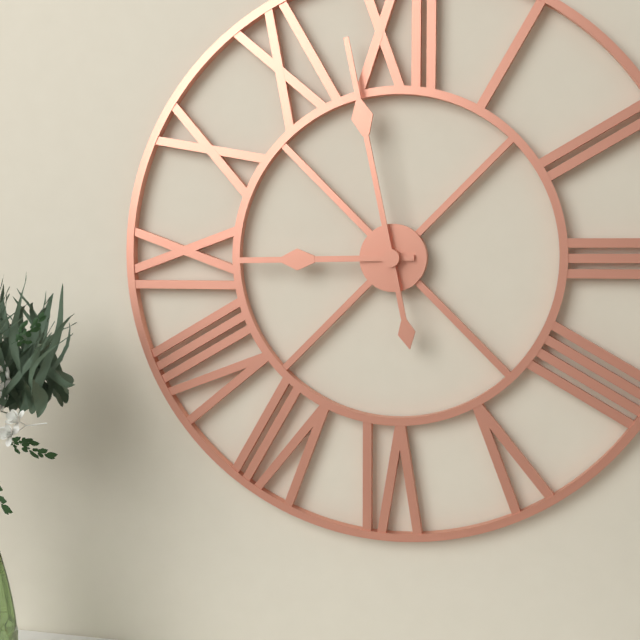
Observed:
{"hour": 8, "minute": 58}
